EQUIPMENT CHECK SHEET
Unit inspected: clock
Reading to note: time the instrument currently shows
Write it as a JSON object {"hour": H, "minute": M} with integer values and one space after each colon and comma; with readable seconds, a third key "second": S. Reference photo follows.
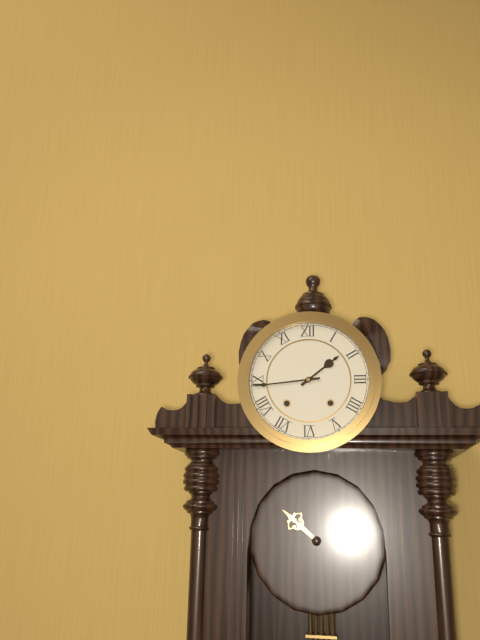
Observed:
{"hour": 1, "minute": 44}
